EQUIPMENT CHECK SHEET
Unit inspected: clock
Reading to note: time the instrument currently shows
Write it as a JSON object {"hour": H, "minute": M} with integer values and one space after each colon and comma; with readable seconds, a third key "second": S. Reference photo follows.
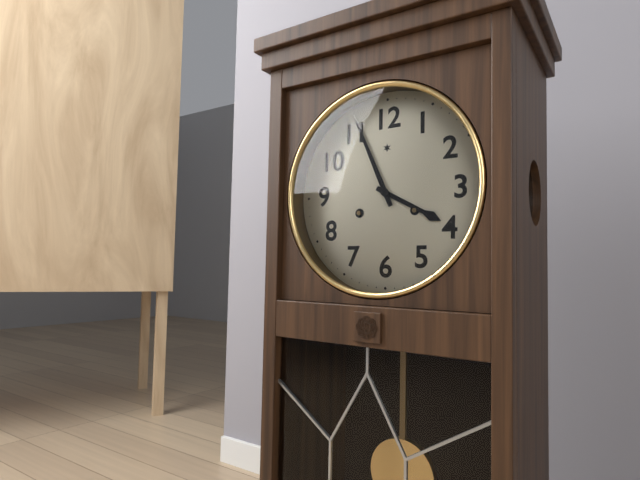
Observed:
{"hour": 3, "minute": 56}
